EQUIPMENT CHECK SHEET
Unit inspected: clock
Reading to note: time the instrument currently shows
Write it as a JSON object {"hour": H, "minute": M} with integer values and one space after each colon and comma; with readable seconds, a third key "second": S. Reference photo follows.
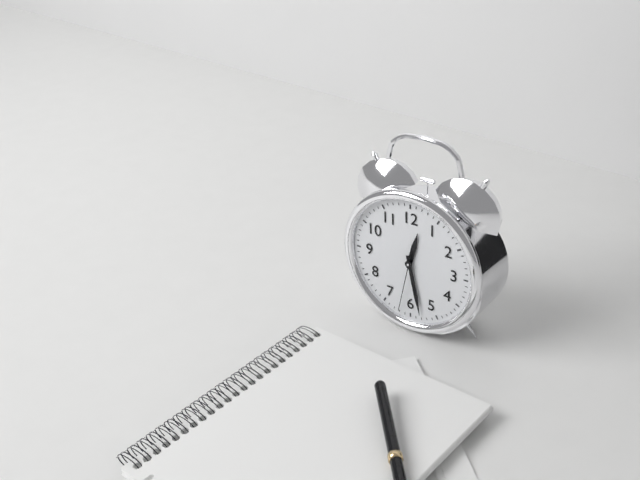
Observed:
{"hour": 12, "minute": 28, "second": 32}
